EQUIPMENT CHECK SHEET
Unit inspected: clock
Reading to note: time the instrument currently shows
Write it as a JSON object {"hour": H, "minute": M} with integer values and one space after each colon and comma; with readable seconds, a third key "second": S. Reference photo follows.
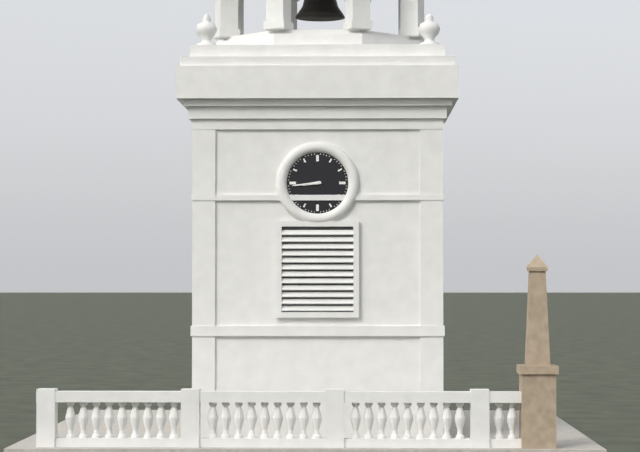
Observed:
{"hour": 8, "minute": 44}
